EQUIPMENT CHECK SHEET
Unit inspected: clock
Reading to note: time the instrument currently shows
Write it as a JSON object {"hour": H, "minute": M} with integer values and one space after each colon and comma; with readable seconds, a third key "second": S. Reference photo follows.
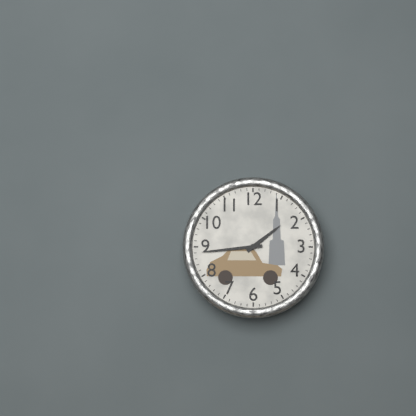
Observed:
{"hour": 1, "minute": 44}
